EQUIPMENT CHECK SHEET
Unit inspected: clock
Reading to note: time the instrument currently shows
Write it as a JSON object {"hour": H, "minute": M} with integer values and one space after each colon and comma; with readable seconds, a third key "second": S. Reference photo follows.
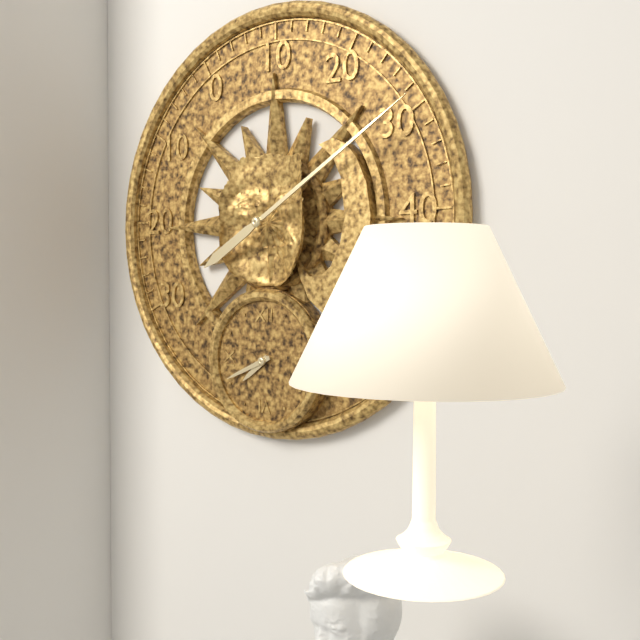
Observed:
{"hour": 7, "minute": 41}
